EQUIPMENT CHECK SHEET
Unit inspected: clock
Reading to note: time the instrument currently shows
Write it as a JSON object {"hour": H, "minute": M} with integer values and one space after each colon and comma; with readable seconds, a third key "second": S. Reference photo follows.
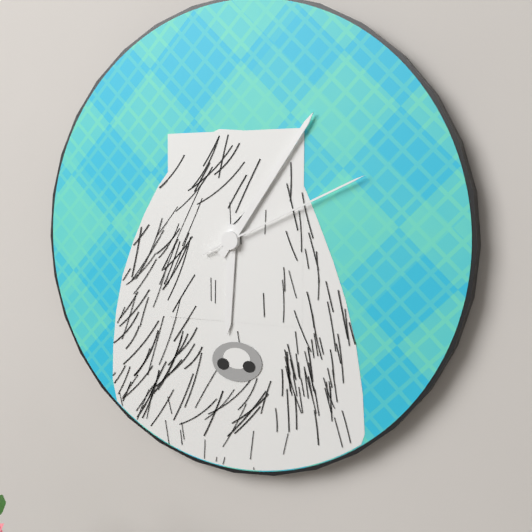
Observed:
{"hour": 6, "minute": 6, "second": 11}
